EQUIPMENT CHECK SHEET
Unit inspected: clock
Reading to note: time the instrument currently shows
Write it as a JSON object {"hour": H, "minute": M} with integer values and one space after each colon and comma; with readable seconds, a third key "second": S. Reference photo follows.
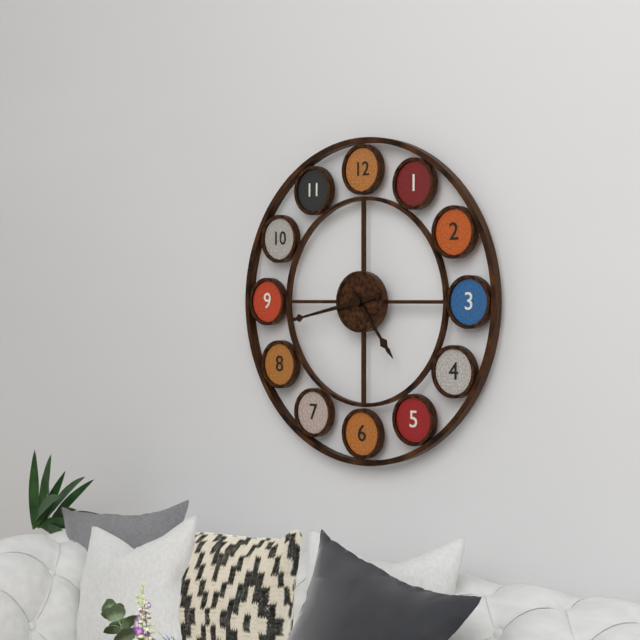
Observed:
{"hour": 4, "minute": 43}
